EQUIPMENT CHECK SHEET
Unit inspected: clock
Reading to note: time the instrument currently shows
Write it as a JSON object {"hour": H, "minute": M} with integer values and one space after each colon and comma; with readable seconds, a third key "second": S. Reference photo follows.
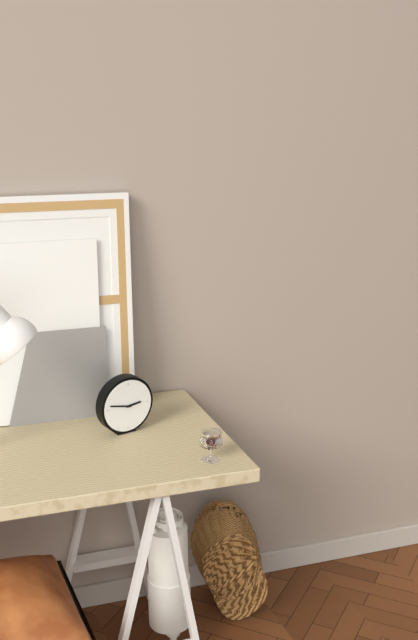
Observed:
{"hour": 2, "minute": 47}
